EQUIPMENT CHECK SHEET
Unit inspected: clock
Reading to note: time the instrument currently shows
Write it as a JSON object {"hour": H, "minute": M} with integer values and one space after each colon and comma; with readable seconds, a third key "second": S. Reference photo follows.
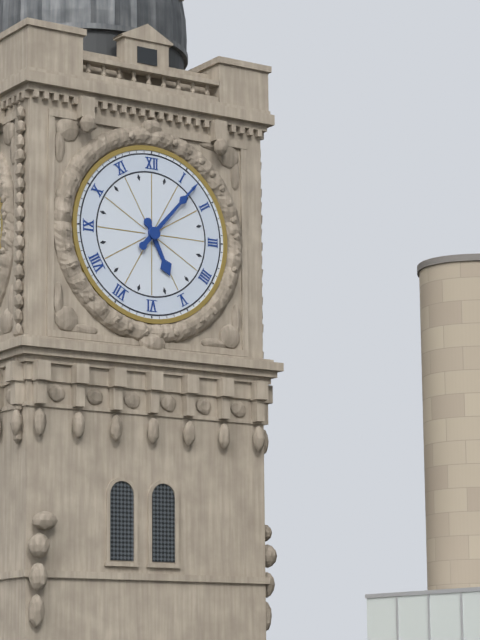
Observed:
{"hour": 5, "minute": 7}
